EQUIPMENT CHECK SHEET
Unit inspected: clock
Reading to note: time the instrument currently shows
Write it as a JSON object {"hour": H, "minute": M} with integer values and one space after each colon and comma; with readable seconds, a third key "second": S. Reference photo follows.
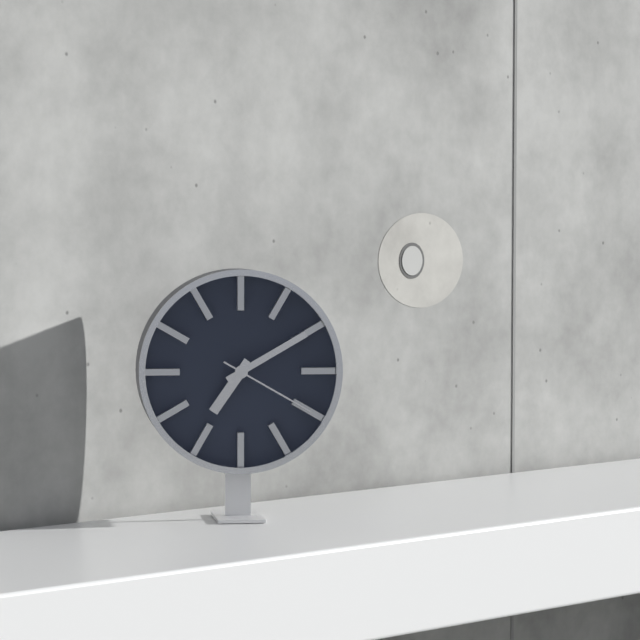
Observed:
{"hour": 7, "minute": 10, "second": 20}
